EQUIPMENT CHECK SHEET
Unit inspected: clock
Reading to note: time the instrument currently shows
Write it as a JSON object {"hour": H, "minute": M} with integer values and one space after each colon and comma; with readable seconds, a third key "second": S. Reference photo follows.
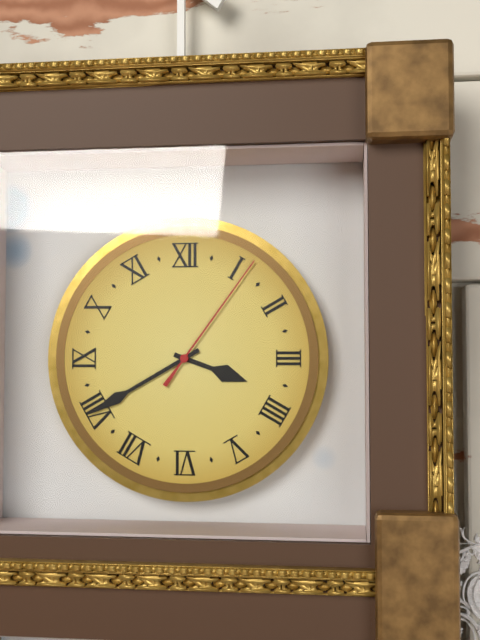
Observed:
{"hour": 3, "minute": 40, "second": 6}
